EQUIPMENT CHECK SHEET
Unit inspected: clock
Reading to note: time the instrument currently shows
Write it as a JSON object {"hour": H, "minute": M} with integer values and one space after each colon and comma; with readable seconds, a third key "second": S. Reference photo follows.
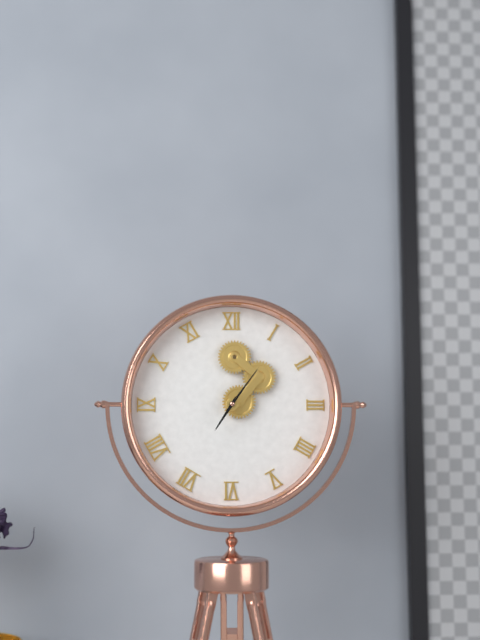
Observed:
{"hour": 7, "minute": 6}
